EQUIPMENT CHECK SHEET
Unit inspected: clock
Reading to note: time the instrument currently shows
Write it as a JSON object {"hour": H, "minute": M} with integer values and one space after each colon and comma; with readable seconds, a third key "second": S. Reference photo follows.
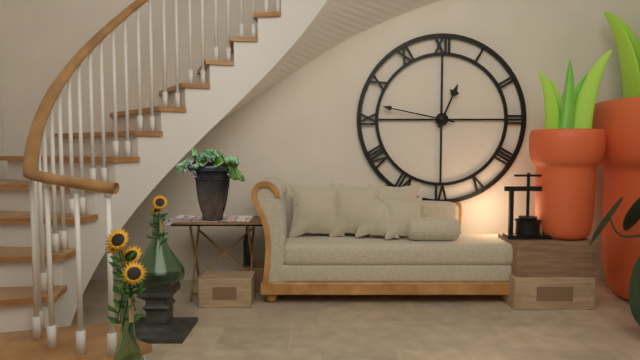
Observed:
{"hour": 12, "minute": 47}
